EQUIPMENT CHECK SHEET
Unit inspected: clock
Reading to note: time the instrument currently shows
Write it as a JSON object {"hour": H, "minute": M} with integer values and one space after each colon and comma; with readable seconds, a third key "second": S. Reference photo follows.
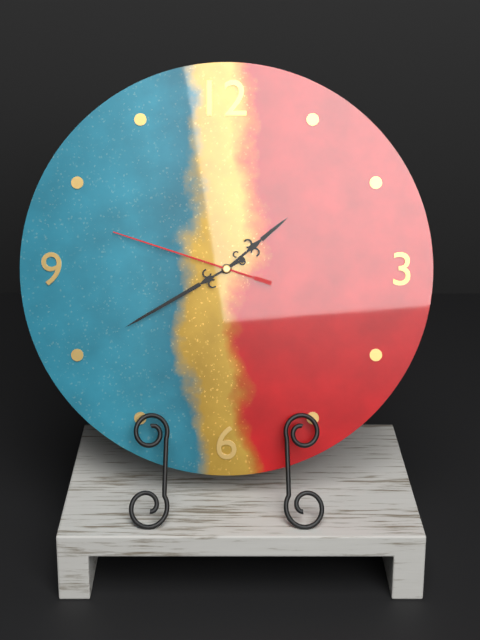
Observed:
{"hour": 1, "minute": 40, "second": 48}
